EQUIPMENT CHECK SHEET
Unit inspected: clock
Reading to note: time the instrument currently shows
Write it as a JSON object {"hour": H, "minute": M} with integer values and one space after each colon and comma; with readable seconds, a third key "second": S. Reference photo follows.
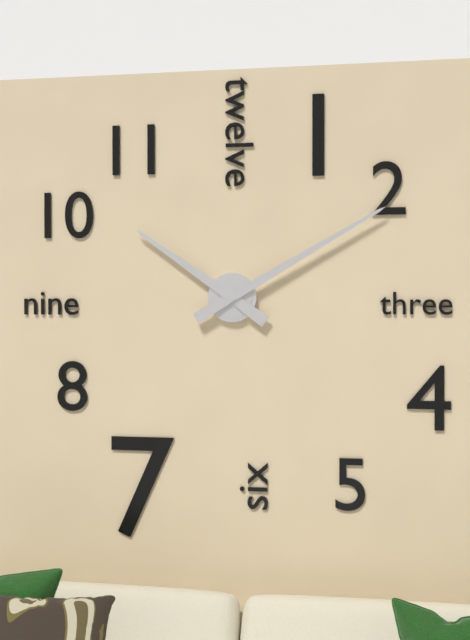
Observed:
{"hour": 10, "minute": 10}
